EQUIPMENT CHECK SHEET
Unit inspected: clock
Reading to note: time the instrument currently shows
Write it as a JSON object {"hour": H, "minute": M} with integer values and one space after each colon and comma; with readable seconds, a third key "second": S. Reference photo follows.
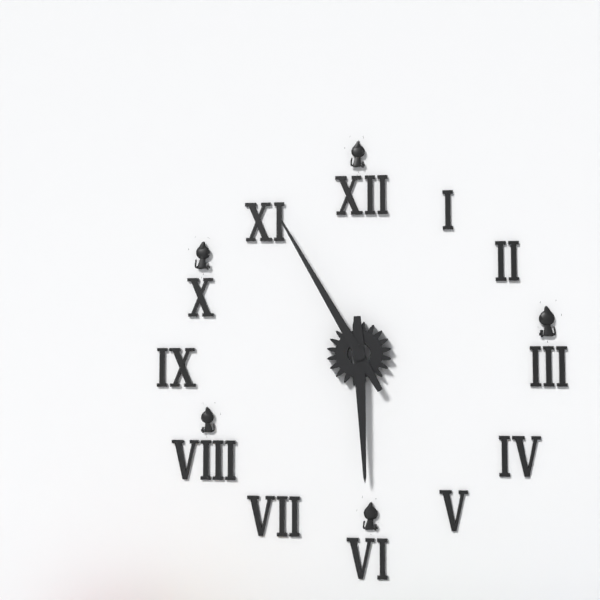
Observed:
{"hour": 5, "minute": 55}
